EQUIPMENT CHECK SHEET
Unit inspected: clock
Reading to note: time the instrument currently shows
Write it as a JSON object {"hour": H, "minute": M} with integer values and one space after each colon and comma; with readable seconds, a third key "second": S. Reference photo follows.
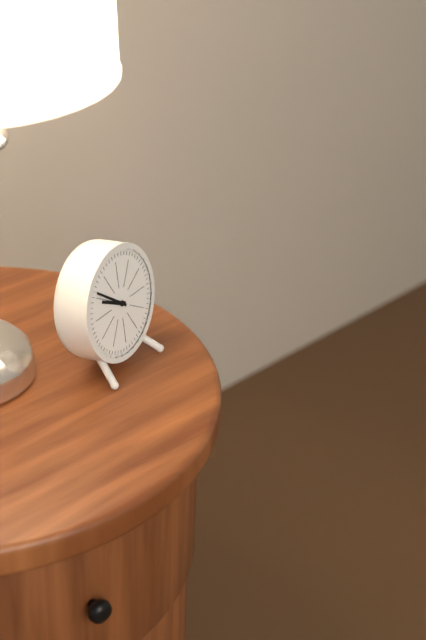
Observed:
{"hour": 9, "minute": 51}
